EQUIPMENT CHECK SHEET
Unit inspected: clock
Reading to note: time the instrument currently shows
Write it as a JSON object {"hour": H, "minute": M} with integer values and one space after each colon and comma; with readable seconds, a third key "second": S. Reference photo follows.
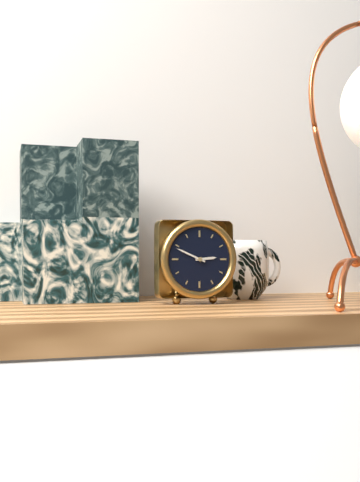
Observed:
{"hour": 2, "minute": 49}
